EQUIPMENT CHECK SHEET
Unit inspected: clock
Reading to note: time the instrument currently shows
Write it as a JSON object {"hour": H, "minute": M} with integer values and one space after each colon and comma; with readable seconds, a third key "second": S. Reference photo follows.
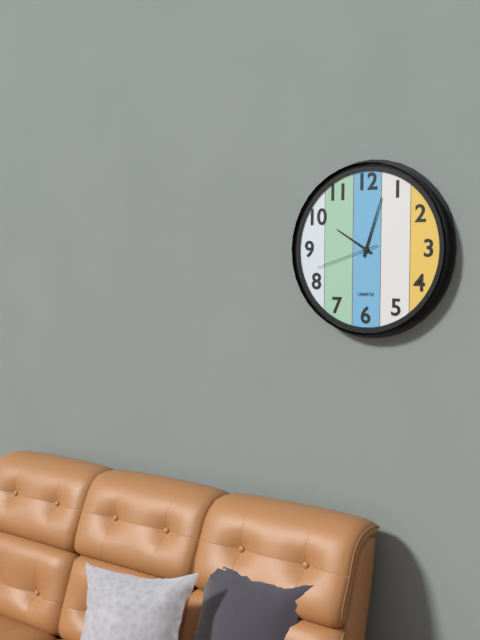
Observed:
{"hour": 10, "minute": 3, "second": 42}
